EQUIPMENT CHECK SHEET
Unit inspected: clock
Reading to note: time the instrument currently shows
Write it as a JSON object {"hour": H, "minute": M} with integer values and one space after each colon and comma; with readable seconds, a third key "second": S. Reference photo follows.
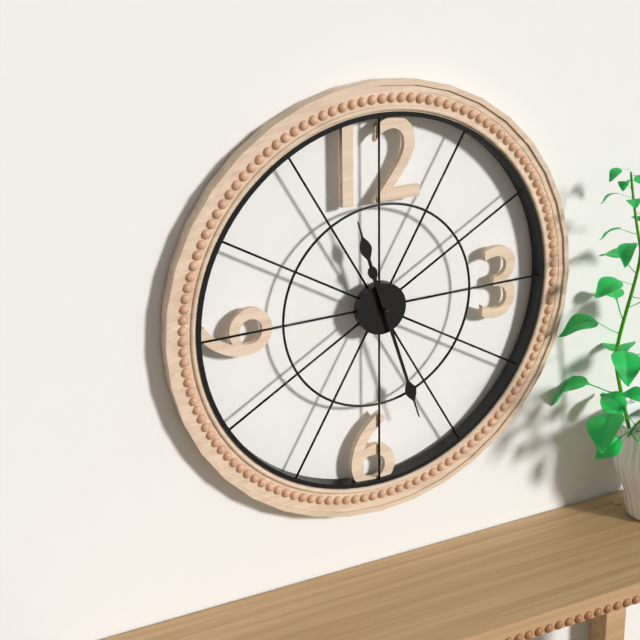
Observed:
{"hour": 11, "minute": 27}
